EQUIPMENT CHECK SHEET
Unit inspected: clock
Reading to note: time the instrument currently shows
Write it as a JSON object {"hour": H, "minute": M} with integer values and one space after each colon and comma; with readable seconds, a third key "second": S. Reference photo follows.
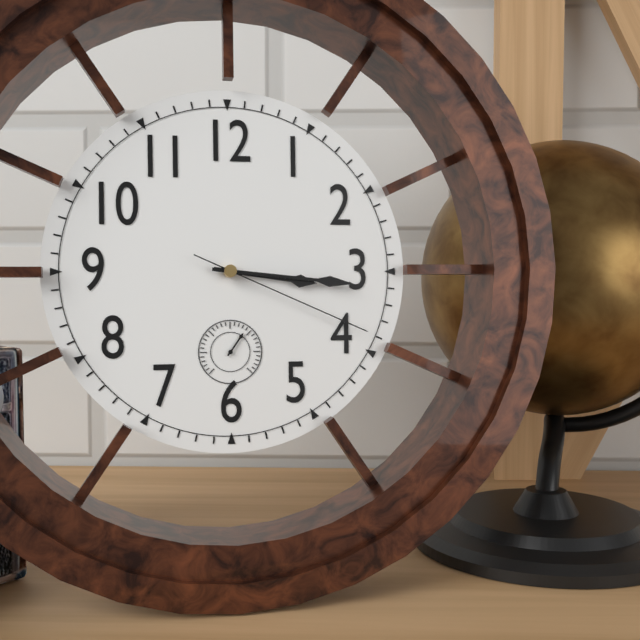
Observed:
{"hour": 3, "minute": 16, "second": 19}
